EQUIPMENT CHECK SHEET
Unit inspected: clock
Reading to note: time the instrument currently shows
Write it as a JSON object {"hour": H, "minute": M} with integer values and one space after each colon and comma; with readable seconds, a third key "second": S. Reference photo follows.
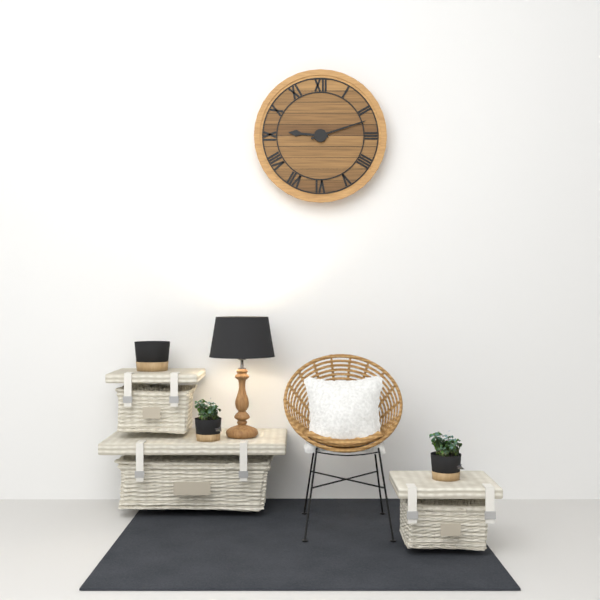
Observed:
{"hour": 9, "minute": 12}
